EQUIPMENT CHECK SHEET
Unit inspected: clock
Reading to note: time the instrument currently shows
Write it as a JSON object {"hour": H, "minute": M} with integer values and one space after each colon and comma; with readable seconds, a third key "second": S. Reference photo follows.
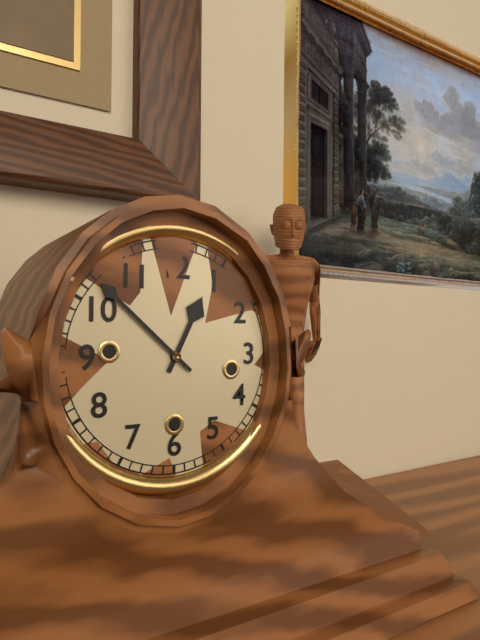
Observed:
{"hour": 12, "minute": 52}
